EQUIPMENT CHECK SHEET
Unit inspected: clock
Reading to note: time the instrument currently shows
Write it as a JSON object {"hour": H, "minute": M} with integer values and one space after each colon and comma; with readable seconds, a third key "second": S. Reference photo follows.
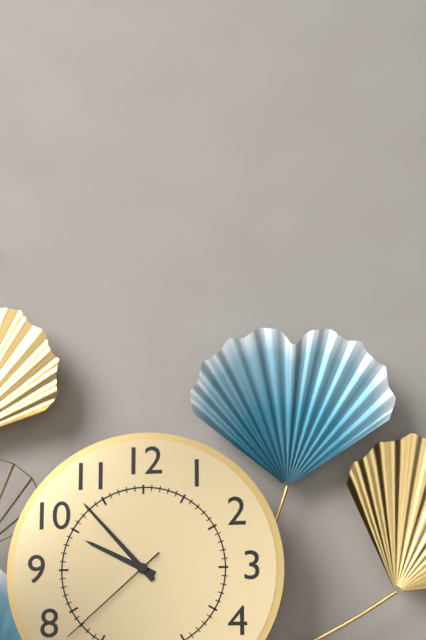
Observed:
{"hour": 9, "minute": 53, "second": 38}
